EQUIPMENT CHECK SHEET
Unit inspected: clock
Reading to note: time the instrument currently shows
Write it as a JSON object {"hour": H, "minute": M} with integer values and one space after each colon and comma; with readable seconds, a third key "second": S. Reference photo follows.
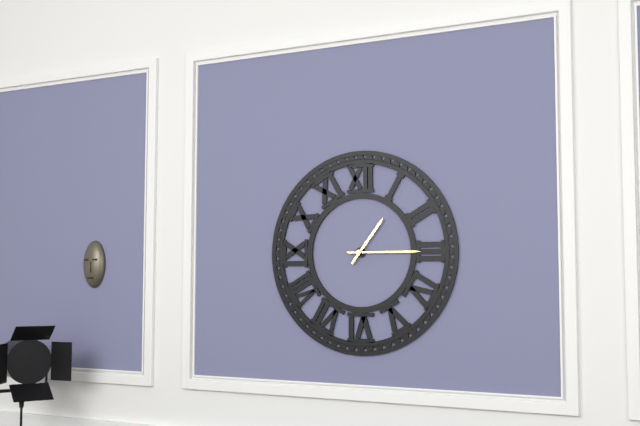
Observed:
{"hour": 1, "minute": 15}
